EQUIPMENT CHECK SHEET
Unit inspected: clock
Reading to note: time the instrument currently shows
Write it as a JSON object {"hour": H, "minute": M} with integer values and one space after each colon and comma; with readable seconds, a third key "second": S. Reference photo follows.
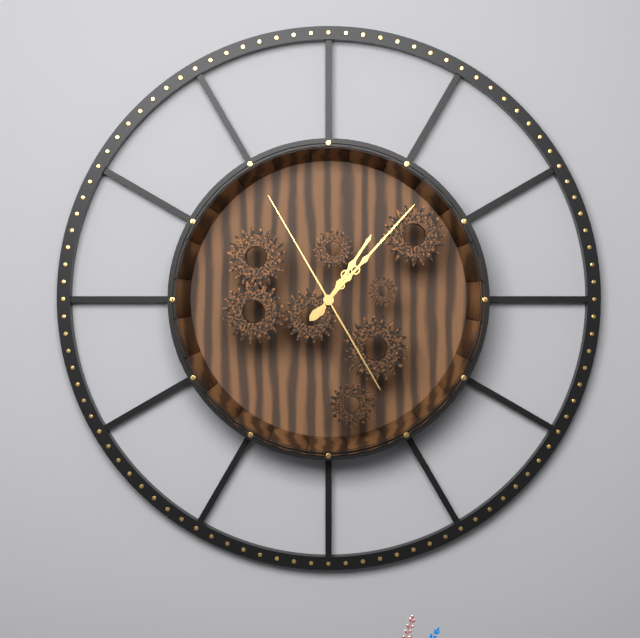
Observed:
{"hour": 1, "minute": 7, "second": 55}
